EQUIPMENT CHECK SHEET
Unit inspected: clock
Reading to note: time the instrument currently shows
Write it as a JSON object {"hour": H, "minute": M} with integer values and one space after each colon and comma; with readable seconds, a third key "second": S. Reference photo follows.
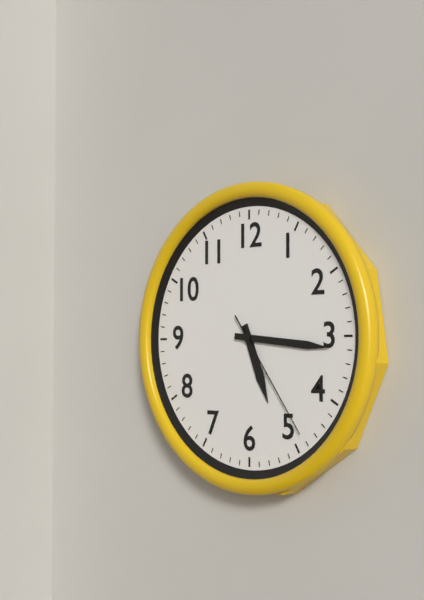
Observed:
{"hour": 5, "minute": 16, "second": 24}
